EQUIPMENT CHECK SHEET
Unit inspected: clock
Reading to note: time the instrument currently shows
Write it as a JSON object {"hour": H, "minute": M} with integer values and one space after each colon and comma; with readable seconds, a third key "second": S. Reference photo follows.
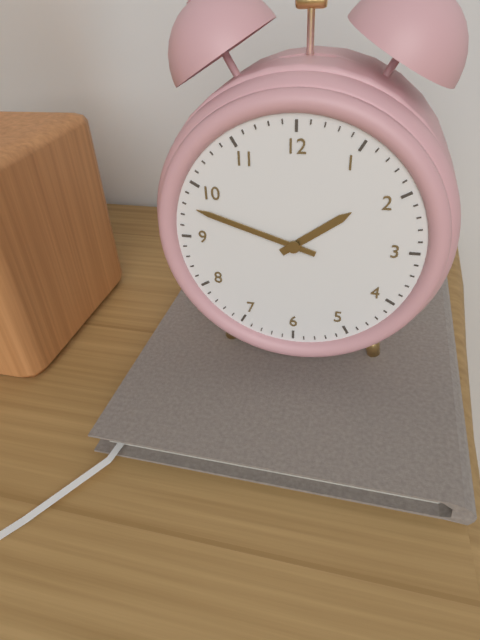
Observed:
{"hour": 1, "minute": 48}
